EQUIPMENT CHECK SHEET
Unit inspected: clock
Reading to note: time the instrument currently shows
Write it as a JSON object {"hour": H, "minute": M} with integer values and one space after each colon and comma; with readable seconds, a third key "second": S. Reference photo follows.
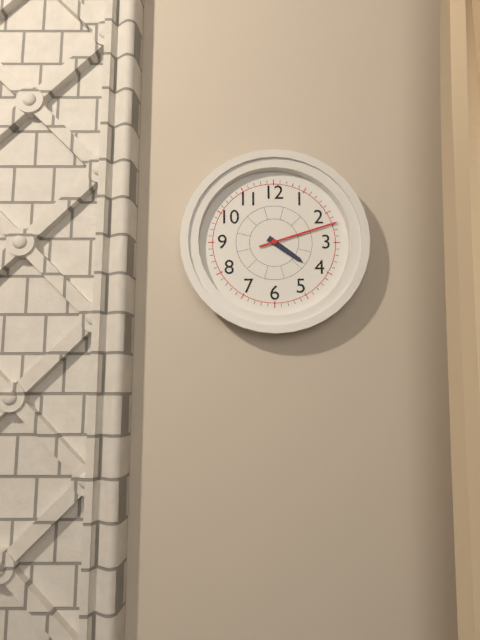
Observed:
{"hour": 4, "minute": 12}
